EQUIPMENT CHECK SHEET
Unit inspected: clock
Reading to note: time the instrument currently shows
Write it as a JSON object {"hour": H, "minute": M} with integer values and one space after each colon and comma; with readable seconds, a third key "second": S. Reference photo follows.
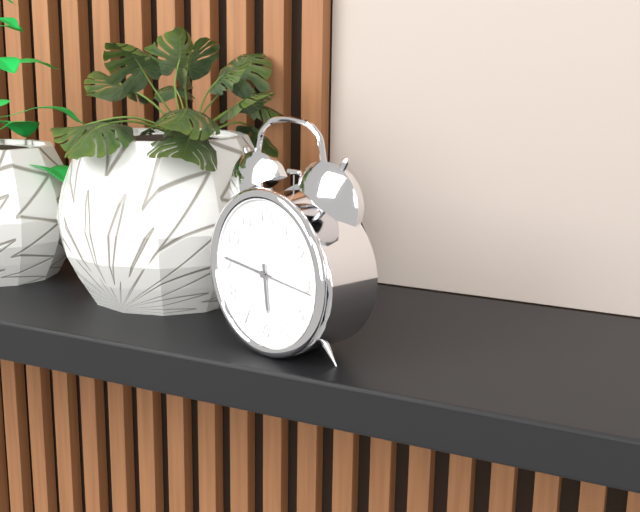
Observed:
{"hour": 5, "minute": 46, "second": 16}
